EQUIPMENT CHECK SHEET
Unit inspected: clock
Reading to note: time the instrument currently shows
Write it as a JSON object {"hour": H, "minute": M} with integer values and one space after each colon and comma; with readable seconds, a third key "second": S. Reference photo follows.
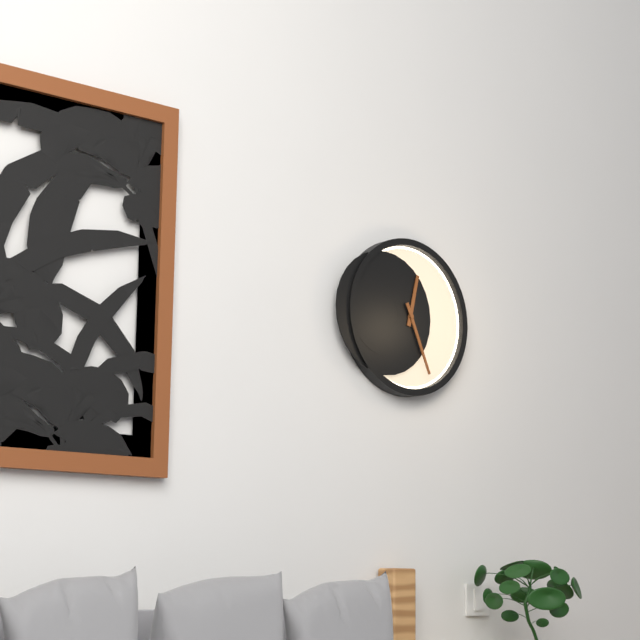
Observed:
{"hour": 12, "minute": 26}
